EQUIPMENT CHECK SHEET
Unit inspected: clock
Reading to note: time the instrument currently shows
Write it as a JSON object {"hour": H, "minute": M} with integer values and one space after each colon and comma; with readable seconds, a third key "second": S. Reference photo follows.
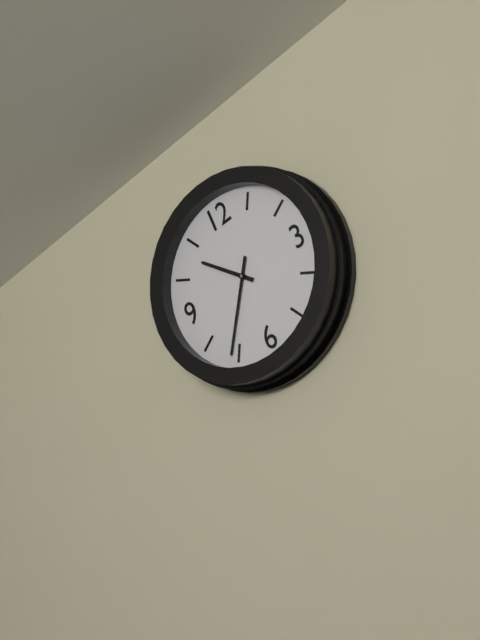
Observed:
{"hour": 10, "minute": 36}
